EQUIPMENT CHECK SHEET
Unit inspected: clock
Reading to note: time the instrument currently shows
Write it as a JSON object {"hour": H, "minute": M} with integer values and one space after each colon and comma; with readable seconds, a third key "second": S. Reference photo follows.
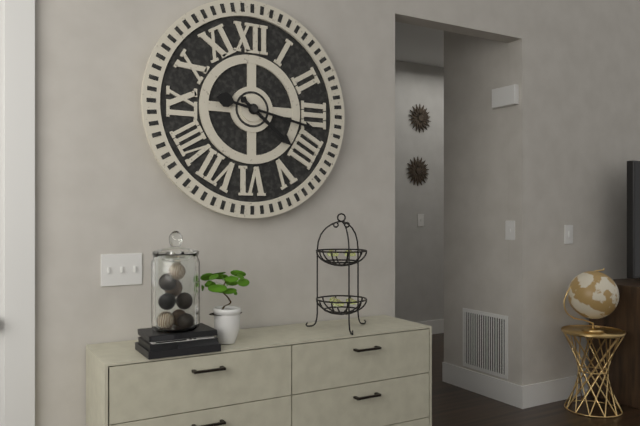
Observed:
{"hour": 4, "minute": 17}
